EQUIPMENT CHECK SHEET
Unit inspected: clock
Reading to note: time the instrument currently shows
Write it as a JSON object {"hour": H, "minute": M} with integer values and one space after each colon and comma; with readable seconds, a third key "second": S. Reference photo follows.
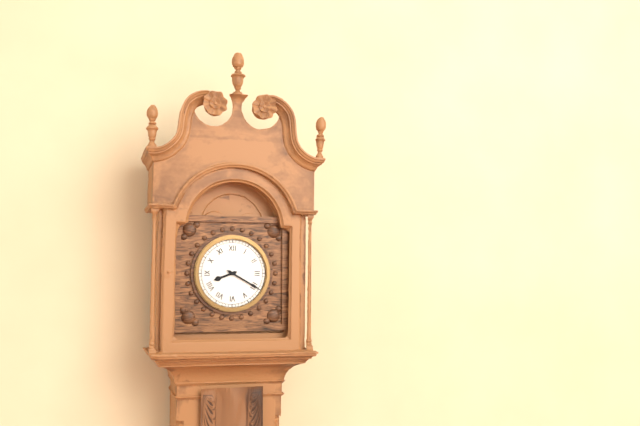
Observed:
{"hour": 8, "minute": 20}
